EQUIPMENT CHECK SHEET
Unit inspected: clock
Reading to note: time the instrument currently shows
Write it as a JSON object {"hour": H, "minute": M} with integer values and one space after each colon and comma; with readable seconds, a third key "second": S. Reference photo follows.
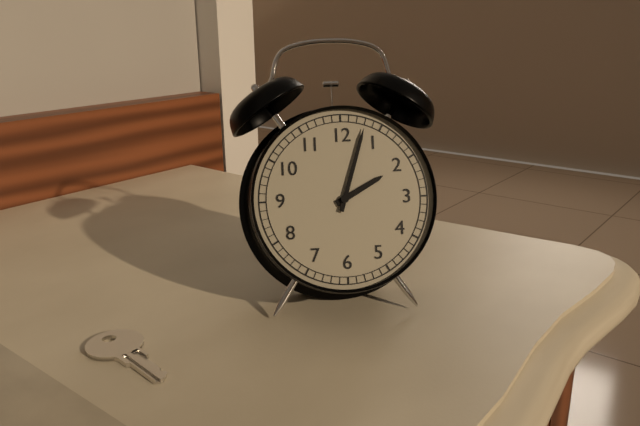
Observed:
{"hour": 2, "minute": 3}
